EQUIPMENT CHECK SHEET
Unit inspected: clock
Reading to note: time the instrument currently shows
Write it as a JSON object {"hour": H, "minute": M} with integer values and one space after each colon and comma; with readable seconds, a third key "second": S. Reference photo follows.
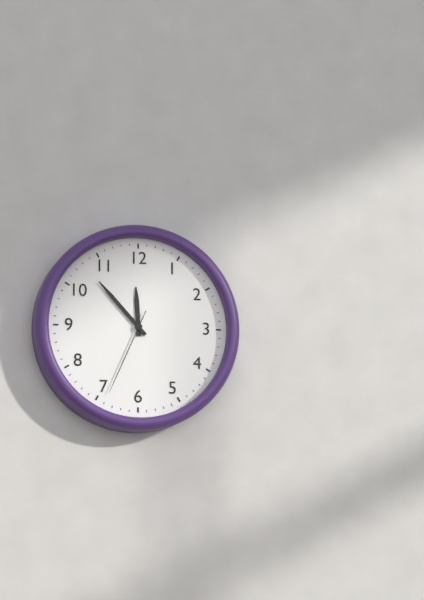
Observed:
{"hour": 11, "minute": 53, "second": 34}
